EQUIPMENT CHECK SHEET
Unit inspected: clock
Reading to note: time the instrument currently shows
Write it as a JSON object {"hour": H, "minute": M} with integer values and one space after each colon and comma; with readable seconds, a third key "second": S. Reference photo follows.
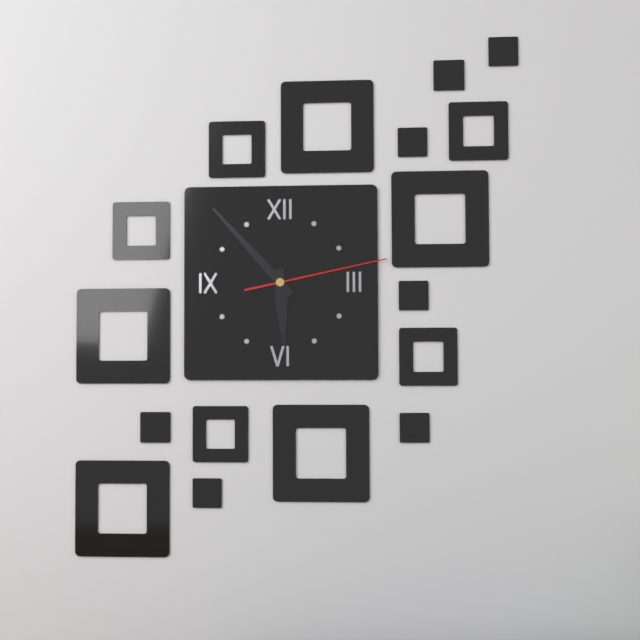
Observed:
{"hour": 5, "minute": 53, "second": 13}
